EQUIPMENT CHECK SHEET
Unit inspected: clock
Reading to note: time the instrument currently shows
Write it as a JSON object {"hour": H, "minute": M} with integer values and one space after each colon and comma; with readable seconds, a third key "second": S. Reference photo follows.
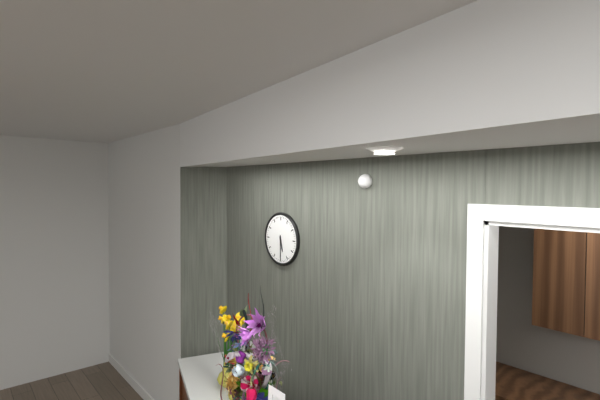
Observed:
{"hour": 5, "minute": 30}
